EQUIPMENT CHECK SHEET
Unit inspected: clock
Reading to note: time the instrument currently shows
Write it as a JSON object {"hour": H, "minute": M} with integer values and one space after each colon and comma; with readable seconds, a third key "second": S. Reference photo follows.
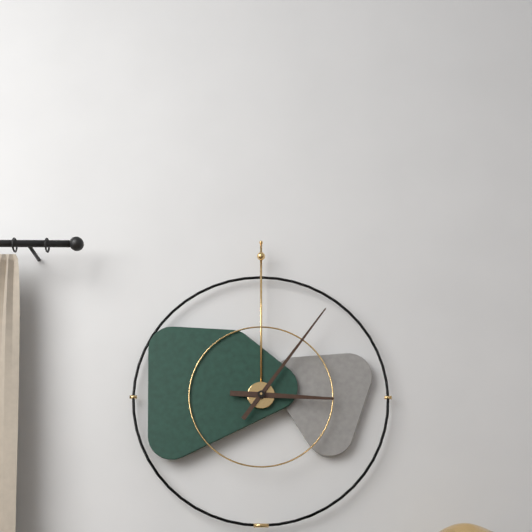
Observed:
{"hour": 3, "minute": 6}
